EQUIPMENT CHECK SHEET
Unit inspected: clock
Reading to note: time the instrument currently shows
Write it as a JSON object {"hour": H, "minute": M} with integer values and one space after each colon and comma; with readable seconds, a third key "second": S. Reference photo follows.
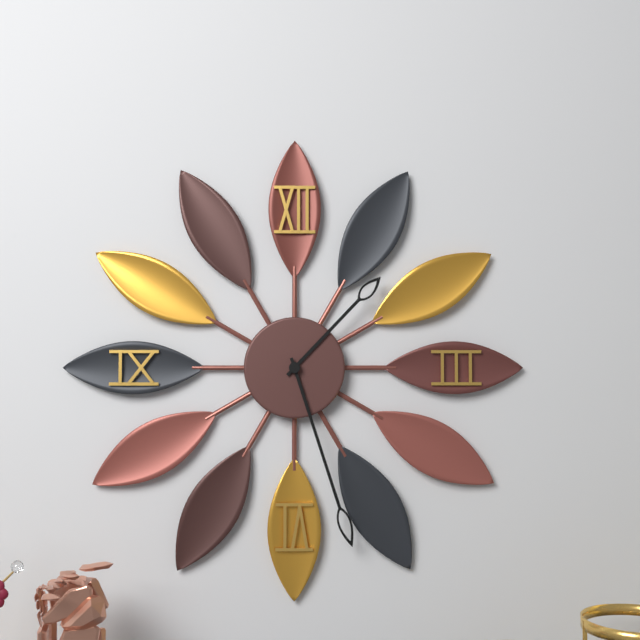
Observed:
{"hour": 1, "minute": 27}
